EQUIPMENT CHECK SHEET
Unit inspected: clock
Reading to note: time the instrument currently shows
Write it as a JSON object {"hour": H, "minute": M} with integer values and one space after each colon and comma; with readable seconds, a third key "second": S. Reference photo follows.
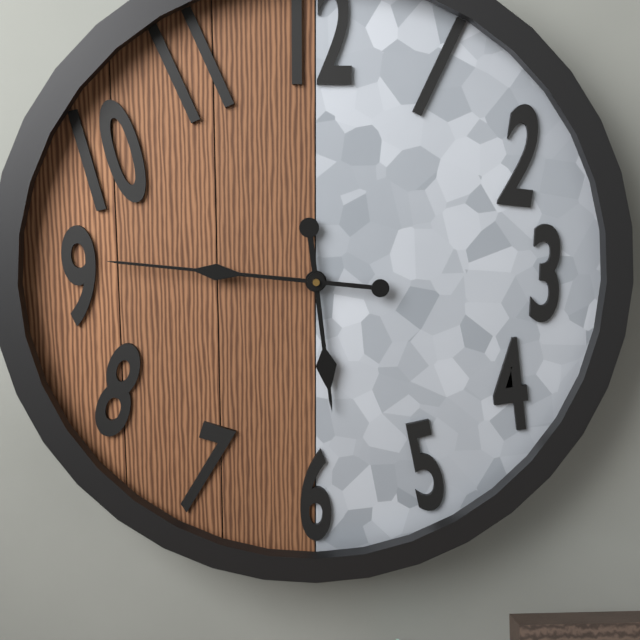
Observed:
{"hour": 5, "minute": 46}
